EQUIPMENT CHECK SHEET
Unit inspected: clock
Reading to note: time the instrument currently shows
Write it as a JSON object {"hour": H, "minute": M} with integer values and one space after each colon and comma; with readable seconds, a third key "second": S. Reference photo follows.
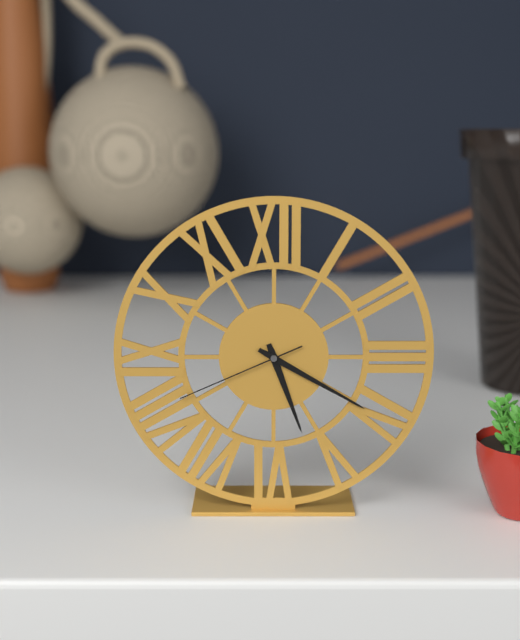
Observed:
{"hour": 5, "minute": 20, "second": 41}
